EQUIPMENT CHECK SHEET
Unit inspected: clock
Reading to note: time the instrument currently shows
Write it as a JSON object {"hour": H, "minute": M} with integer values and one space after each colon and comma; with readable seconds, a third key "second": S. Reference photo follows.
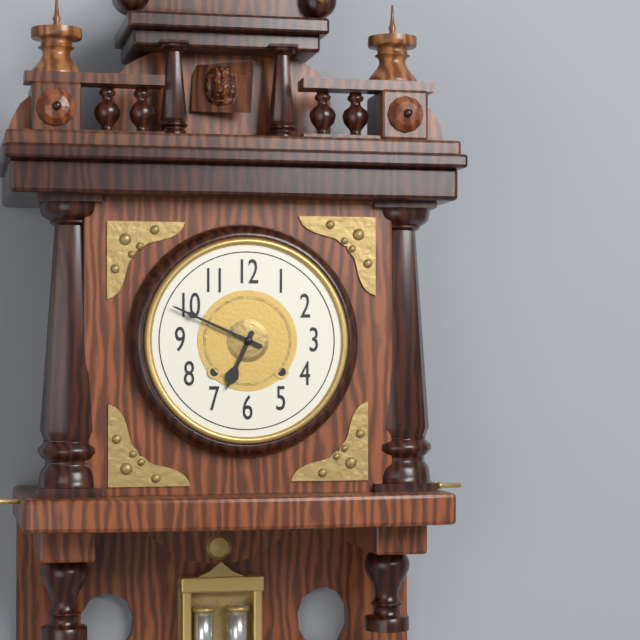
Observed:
{"hour": 6, "minute": 49}
